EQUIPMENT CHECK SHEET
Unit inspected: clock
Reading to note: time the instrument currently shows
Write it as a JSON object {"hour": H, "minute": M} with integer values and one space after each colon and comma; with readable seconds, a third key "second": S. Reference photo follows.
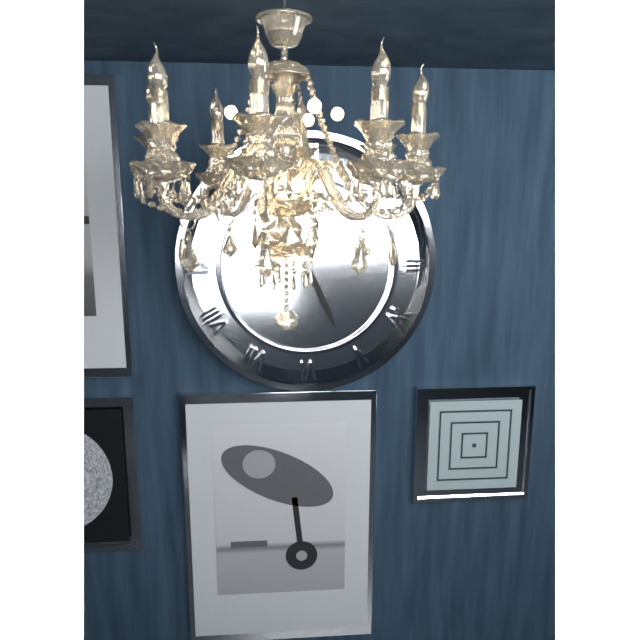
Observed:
{"hour": 12, "minute": 26}
